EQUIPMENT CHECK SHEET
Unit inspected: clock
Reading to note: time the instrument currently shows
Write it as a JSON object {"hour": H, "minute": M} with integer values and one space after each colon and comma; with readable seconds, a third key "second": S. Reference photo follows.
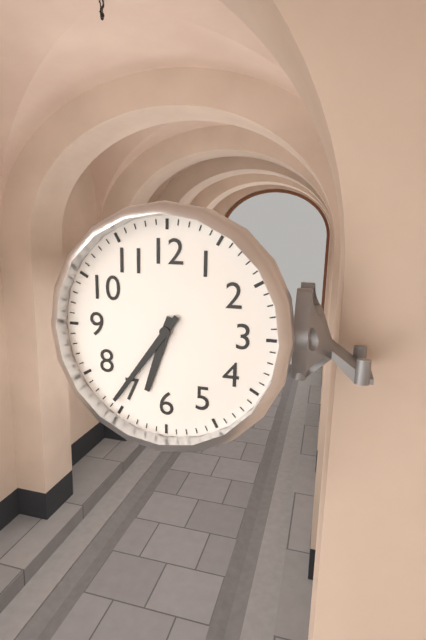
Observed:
{"hour": 6, "minute": 36}
